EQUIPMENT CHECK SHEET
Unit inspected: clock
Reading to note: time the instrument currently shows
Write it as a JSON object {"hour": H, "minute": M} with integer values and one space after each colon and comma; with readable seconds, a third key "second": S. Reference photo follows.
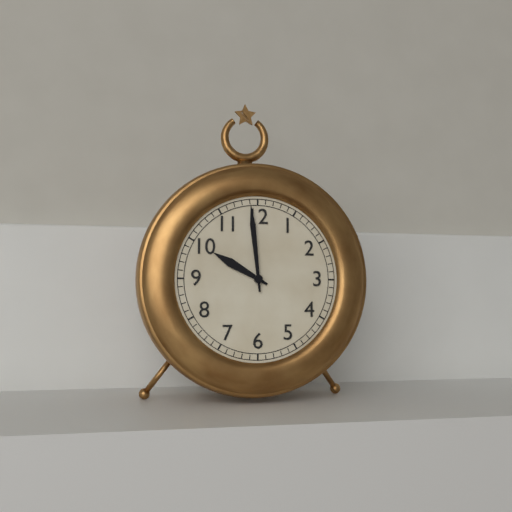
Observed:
{"hour": 9, "minute": 59}
